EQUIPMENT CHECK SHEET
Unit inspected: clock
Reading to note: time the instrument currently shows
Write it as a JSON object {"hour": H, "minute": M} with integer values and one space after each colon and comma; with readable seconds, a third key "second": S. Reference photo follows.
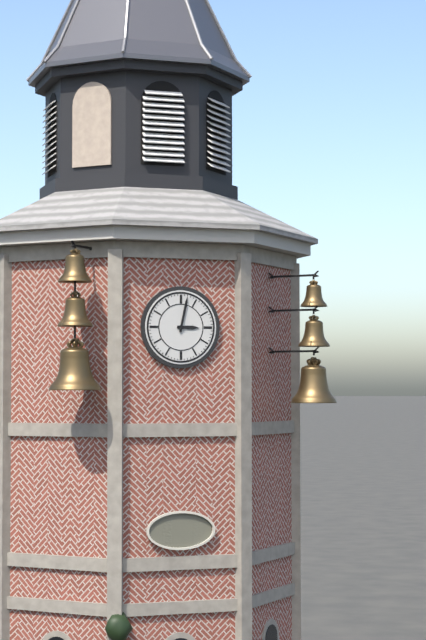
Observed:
{"hour": 3, "minute": 2}
